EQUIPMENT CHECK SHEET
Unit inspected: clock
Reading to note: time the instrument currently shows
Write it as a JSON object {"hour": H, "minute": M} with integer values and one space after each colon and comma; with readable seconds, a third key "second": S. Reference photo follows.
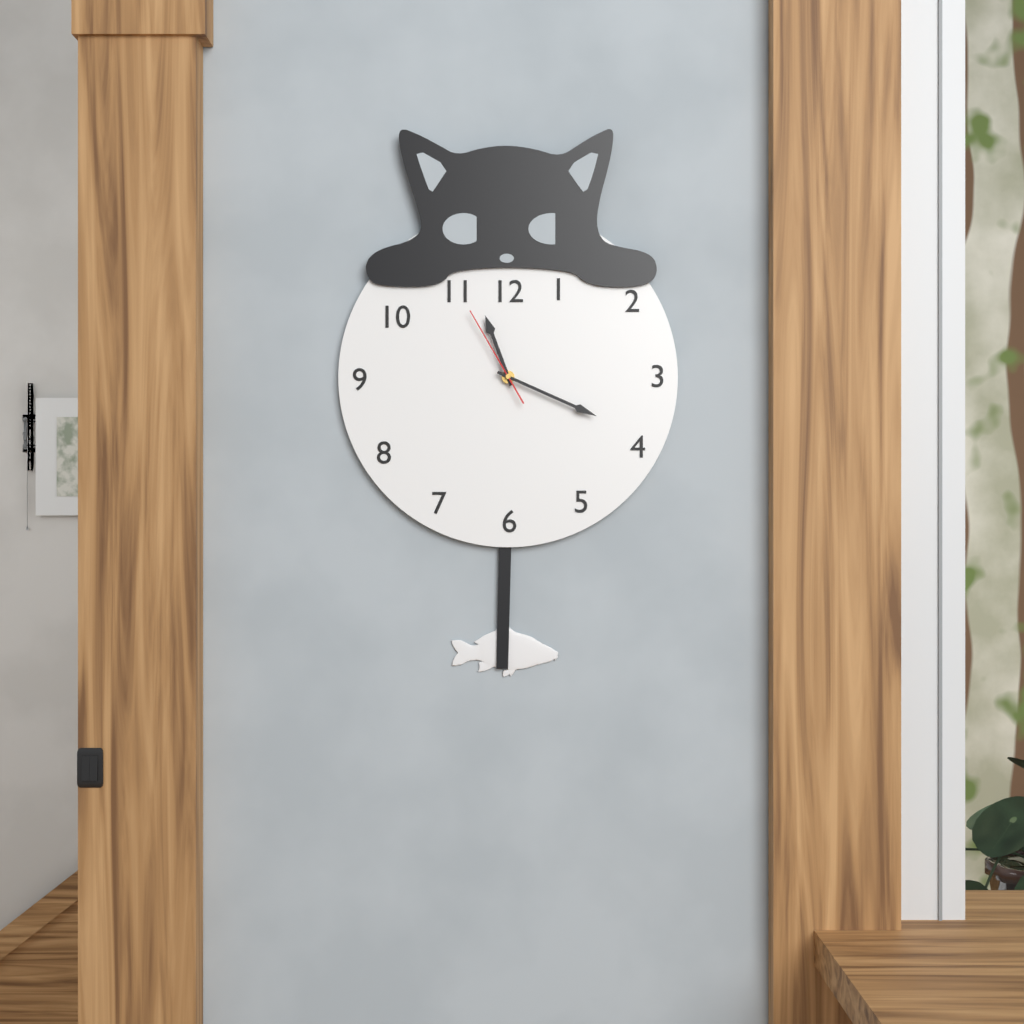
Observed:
{"hour": 11, "minute": 19, "second": 55}
